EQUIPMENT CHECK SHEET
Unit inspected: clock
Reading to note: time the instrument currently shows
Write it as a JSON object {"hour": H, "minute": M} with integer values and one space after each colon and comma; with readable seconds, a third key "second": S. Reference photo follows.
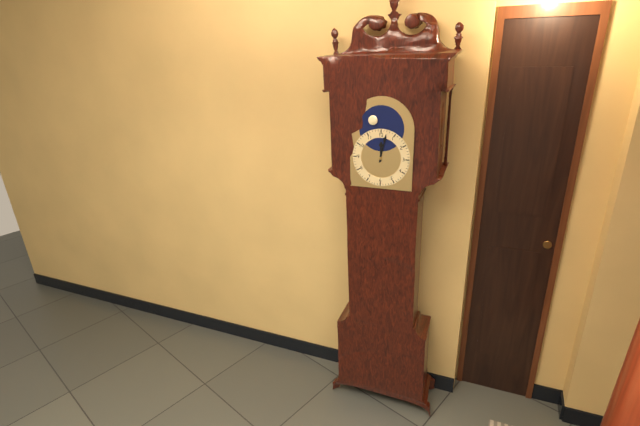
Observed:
{"hour": 12, "minute": 2}
